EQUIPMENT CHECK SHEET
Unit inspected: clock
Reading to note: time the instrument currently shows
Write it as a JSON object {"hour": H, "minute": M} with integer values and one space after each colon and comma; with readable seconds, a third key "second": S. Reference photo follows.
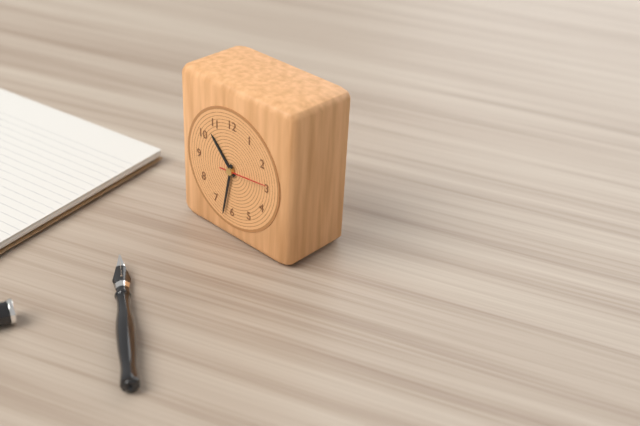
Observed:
{"hour": 10, "minute": 32}
